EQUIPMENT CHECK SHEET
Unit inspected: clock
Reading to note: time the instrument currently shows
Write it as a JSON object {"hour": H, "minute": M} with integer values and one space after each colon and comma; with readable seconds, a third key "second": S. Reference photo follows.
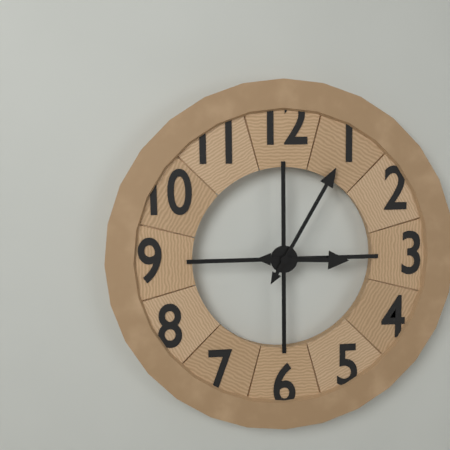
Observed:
{"hour": 3, "minute": 5}
